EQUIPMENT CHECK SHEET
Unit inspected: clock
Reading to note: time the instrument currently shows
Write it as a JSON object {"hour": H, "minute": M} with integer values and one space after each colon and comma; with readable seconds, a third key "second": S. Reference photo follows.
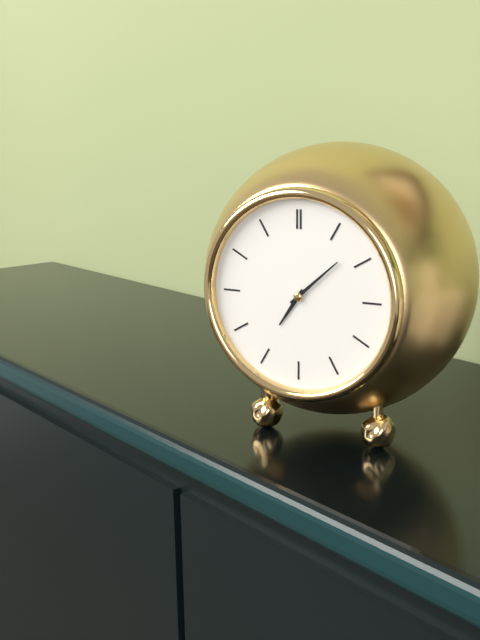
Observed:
{"hour": 7, "minute": 8}
